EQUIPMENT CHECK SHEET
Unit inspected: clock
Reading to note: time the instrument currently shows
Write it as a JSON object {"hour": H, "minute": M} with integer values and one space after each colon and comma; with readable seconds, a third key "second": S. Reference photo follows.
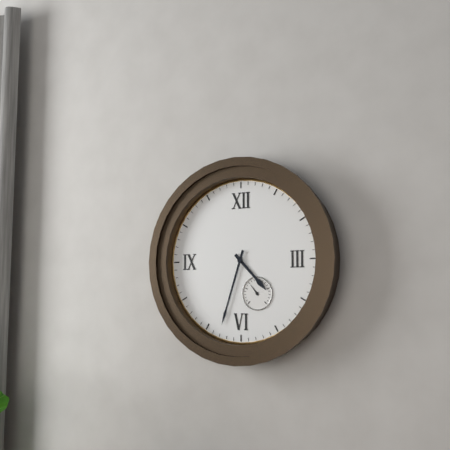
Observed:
{"hour": 4, "minute": 33}
